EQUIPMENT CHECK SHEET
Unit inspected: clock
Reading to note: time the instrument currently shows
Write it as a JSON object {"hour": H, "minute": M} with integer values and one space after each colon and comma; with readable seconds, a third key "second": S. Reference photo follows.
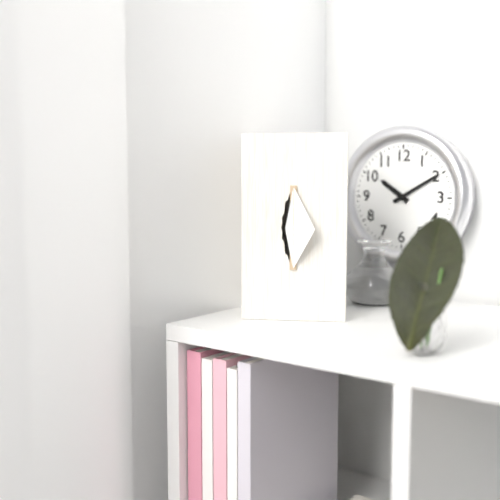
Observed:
{"hour": 10, "minute": 10}
